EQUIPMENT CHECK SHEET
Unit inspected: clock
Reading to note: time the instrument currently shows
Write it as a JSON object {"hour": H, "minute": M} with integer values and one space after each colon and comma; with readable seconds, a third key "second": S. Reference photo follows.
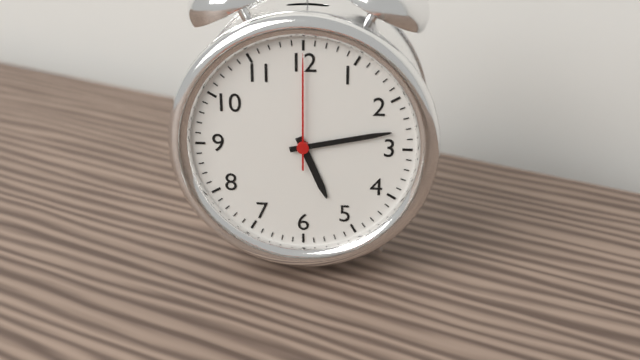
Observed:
{"hour": 5, "minute": 13, "second": 0}
